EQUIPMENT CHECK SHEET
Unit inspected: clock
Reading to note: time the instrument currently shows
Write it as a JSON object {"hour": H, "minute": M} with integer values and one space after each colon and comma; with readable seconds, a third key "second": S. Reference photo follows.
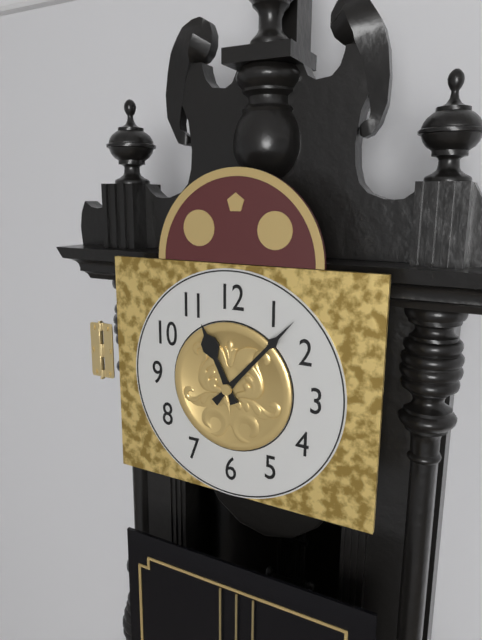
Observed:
{"hour": 11, "minute": 7}
